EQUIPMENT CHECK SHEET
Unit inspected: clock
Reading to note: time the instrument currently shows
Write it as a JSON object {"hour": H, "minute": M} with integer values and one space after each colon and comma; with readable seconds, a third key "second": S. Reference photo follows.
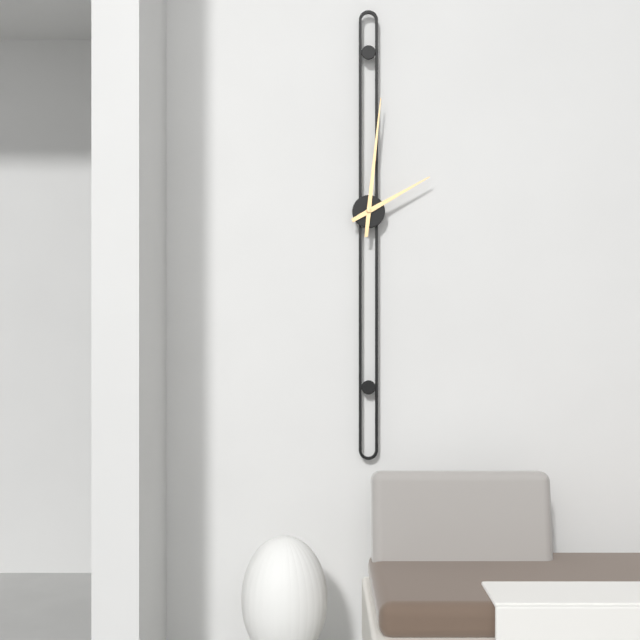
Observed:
{"hour": 2, "minute": 1}
